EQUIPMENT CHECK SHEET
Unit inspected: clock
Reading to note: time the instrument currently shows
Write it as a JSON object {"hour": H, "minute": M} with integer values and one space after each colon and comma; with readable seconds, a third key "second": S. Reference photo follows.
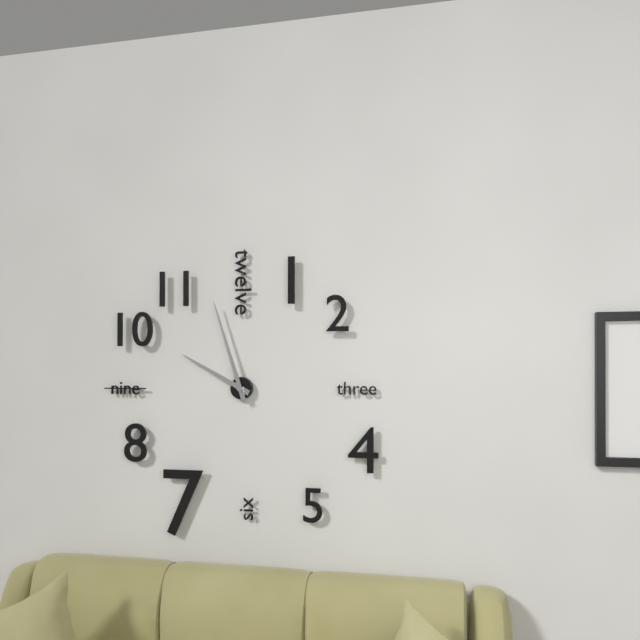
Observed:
{"hour": 9, "minute": 57}
